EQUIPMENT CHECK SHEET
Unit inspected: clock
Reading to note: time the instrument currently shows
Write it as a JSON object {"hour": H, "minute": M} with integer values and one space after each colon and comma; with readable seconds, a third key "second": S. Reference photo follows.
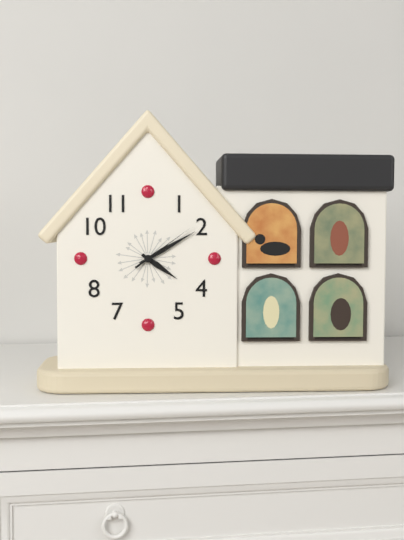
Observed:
{"hour": 4, "minute": 10, "second": 9}
